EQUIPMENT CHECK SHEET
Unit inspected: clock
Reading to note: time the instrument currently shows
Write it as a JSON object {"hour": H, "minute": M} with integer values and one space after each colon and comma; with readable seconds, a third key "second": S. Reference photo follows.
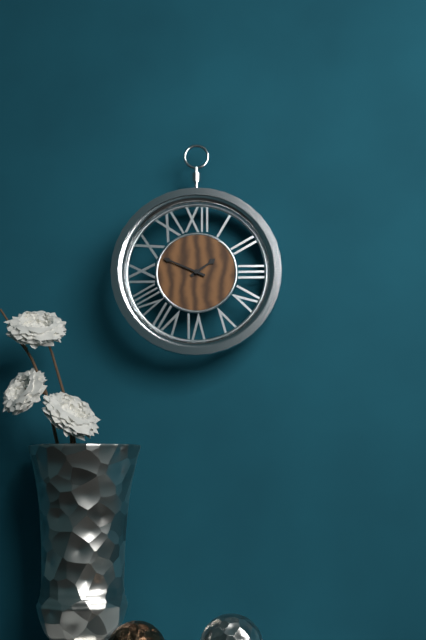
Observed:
{"hour": 1, "minute": 49}
